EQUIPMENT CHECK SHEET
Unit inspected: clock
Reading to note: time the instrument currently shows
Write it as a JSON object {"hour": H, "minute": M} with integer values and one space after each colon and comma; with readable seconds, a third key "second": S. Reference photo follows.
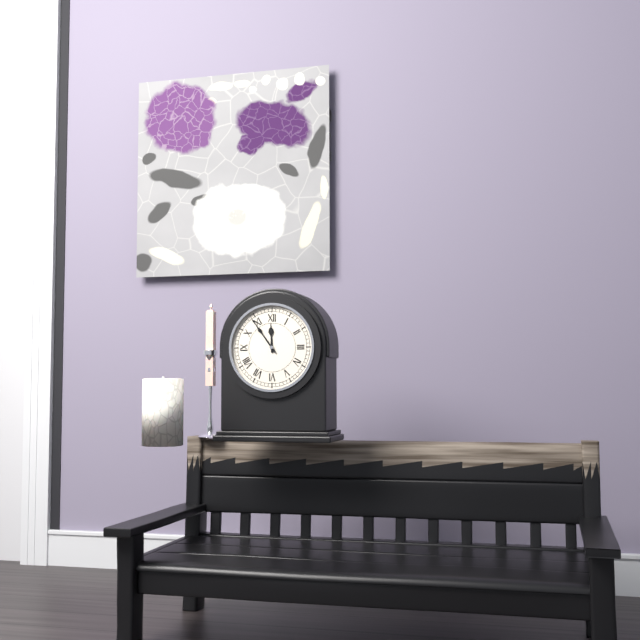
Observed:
{"hour": 11, "minute": 54}
